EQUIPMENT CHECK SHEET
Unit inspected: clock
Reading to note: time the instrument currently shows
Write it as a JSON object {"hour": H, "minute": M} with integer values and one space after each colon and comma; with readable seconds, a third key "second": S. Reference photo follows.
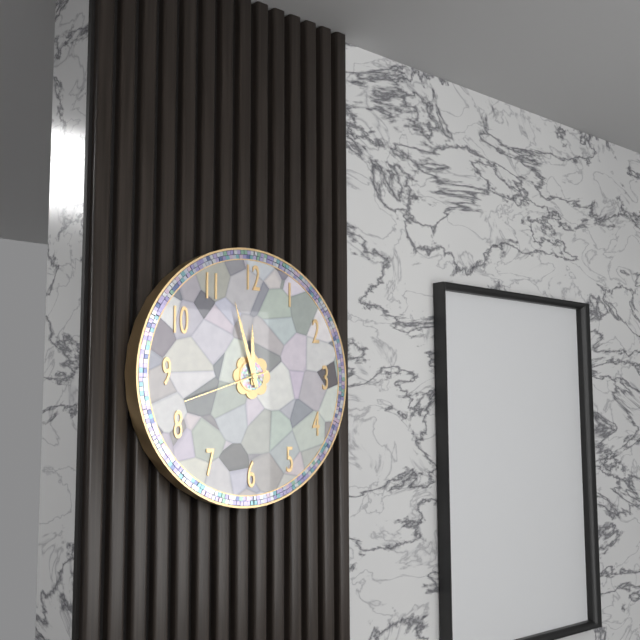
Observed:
{"hour": 11, "minute": 57, "second": 42}
